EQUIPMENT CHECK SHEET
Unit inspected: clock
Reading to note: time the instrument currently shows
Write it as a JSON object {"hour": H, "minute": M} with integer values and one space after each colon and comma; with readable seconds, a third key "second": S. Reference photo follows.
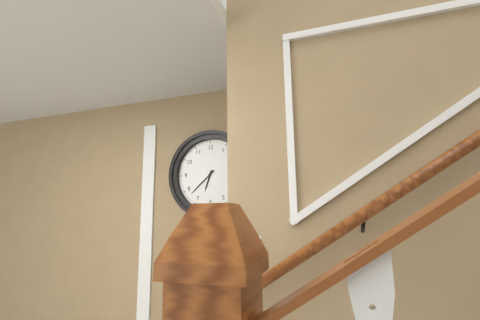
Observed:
{"hour": 6, "minute": 38}
